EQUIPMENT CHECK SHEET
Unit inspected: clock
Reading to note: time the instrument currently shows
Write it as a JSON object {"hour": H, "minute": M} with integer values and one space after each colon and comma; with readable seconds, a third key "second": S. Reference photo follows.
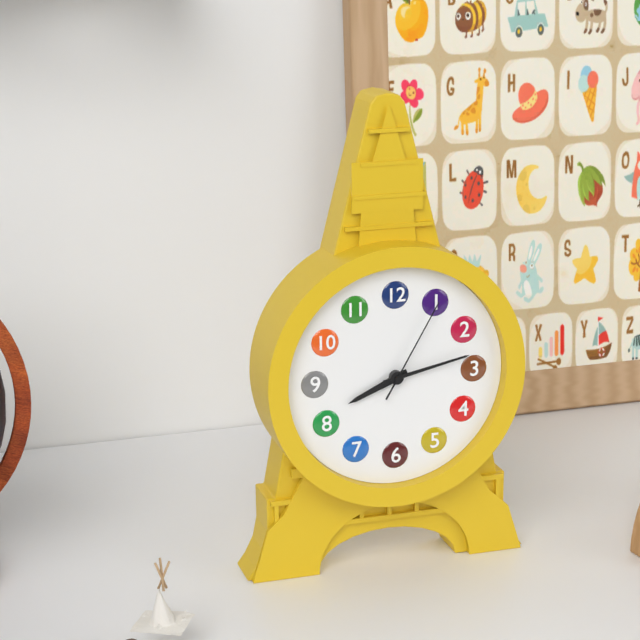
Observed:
{"hour": 8, "minute": 13, "second": 5}
